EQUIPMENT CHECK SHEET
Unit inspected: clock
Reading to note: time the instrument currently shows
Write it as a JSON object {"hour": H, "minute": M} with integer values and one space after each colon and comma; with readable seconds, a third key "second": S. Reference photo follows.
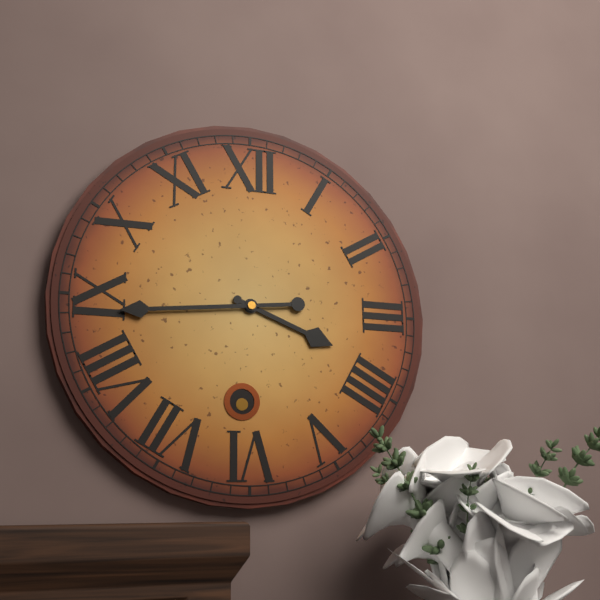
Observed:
{"hour": 3, "minute": 44}
